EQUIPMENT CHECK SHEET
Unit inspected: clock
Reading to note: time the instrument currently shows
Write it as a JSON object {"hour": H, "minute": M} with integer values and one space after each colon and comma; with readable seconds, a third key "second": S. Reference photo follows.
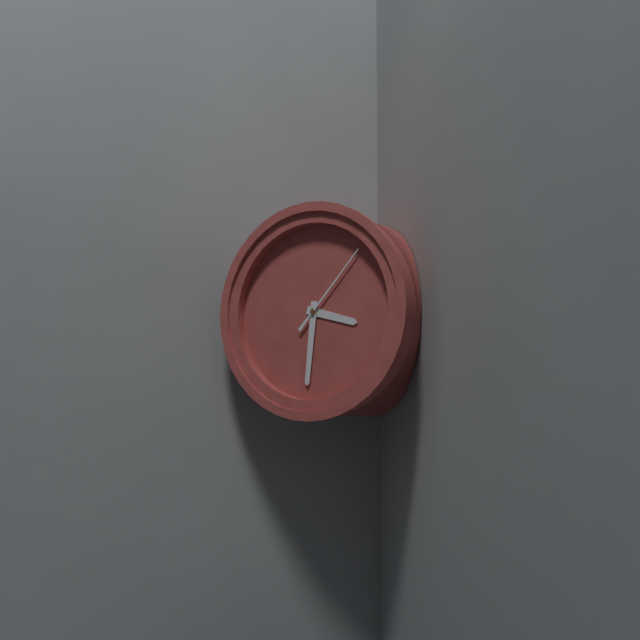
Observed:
{"hour": 3, "minute": 31, "second": 7}
